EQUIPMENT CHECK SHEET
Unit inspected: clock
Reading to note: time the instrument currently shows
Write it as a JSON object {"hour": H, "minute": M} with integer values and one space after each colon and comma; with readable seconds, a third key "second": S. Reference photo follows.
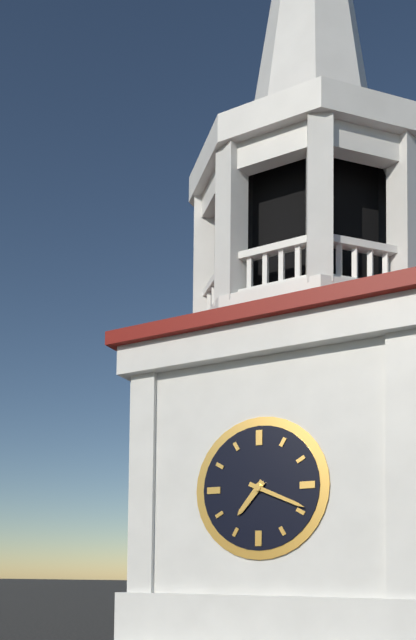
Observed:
{"hour": 7, "minute": 19}
